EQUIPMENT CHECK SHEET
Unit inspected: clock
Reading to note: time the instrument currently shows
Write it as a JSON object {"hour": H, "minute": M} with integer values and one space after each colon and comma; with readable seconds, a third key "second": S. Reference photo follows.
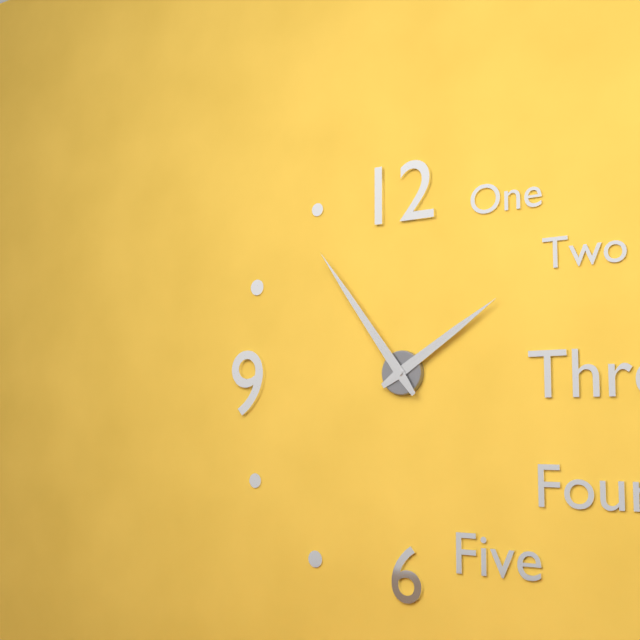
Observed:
{"hour": 1, "minute": 54}
